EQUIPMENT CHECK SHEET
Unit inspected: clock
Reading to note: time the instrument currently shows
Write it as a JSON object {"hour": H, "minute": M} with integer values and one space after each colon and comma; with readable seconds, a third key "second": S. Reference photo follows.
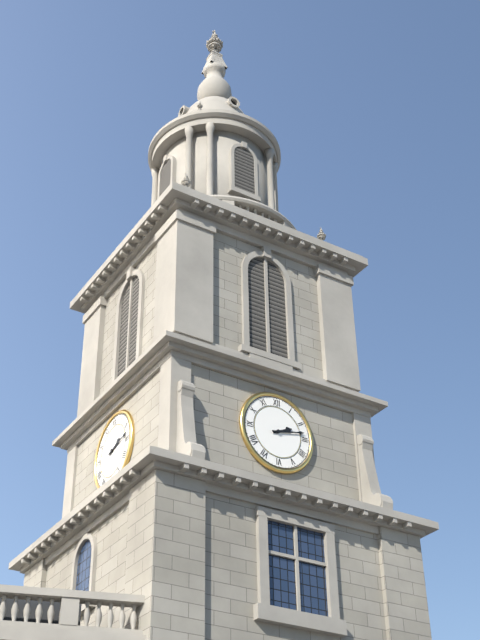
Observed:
{"hour": 2, "minute": 13}
